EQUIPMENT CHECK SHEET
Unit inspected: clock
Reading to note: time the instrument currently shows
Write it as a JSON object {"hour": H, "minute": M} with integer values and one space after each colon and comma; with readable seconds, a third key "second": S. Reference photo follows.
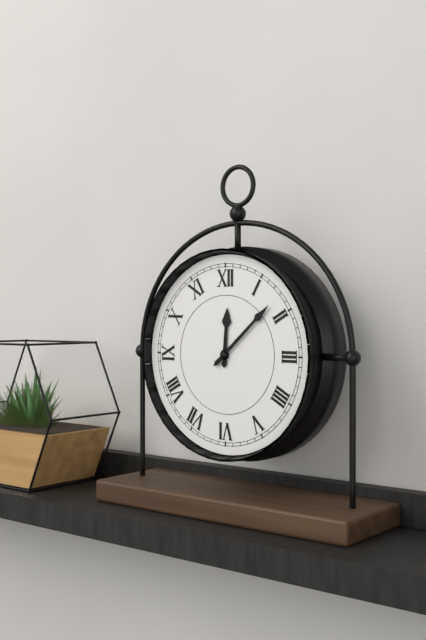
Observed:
{"hour": 12, "minute": 8}
